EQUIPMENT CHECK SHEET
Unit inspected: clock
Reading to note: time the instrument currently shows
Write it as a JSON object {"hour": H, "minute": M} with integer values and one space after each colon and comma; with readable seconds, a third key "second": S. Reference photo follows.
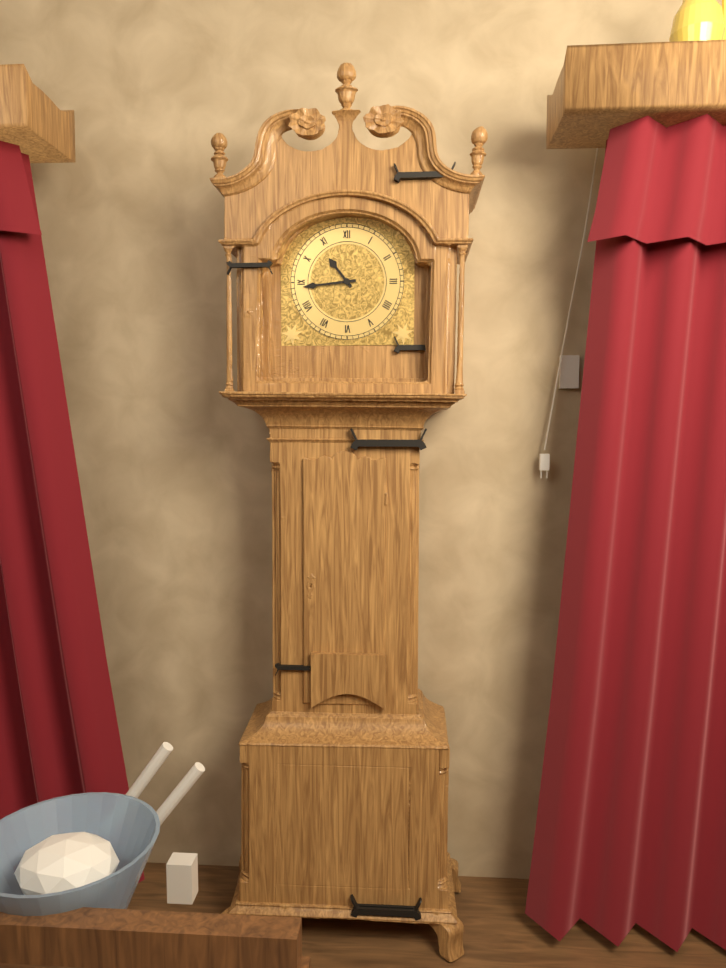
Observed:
{"hour": 10, "minute": 44}
